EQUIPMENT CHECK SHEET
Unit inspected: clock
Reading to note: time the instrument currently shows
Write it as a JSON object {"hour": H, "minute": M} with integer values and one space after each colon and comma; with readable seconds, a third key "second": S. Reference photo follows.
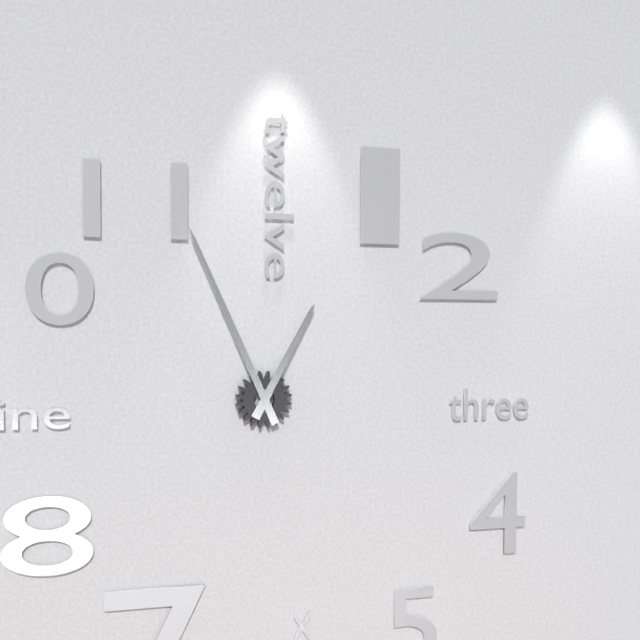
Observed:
{"hour": 12, "minute": 56}
